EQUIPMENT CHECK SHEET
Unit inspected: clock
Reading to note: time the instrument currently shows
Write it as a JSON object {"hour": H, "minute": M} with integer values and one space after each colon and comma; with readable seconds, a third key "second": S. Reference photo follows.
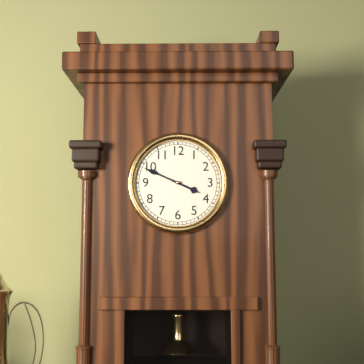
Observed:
{"hour": 3, "minute": 49}
